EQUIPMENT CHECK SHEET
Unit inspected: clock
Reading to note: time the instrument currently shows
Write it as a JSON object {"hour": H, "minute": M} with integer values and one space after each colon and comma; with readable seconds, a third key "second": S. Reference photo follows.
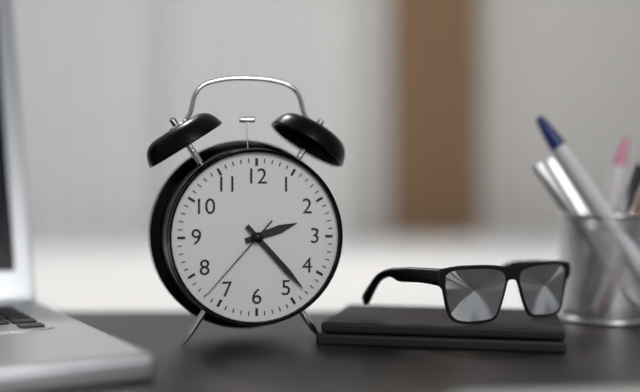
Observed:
{"hour": 2, "minute": 23, "second": 37}
